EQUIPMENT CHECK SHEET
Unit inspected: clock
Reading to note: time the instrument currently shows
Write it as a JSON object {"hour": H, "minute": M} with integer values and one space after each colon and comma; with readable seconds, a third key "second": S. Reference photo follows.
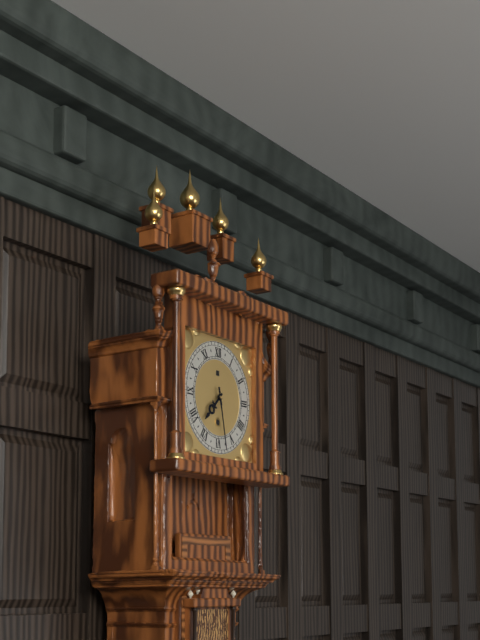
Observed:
{"hour": 7, "minute": 28}
